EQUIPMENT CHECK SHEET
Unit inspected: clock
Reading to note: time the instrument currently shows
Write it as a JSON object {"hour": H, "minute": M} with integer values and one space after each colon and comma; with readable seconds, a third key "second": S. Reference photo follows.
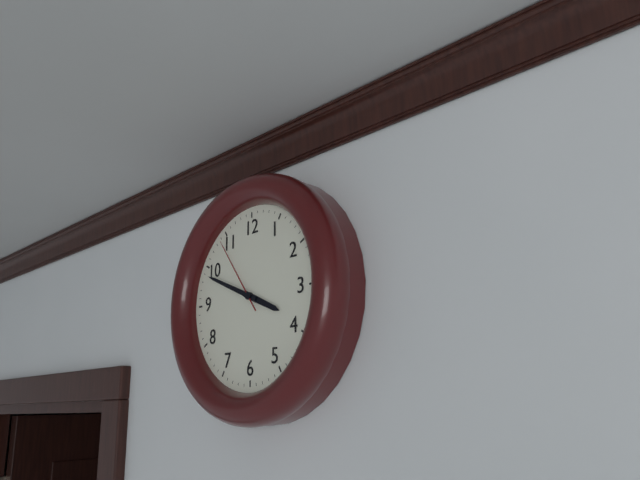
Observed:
{"hour": 3, "minute": 49, "second": 54}
